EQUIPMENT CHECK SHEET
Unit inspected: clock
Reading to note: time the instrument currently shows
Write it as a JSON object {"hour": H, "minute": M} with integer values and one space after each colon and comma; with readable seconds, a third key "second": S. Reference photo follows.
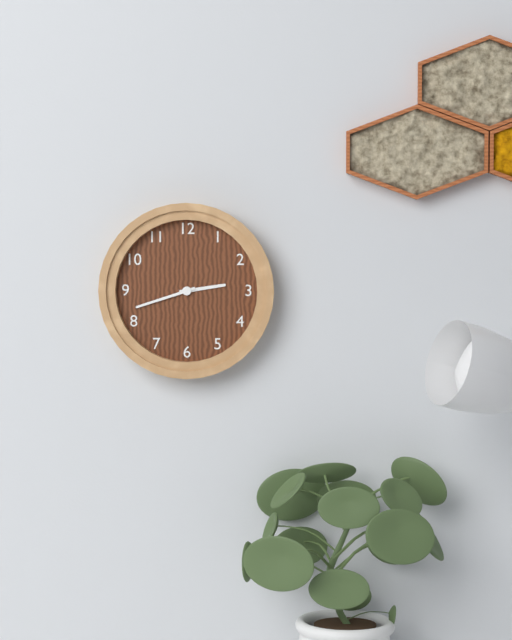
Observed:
{"hour": 2, "minute": 42}
